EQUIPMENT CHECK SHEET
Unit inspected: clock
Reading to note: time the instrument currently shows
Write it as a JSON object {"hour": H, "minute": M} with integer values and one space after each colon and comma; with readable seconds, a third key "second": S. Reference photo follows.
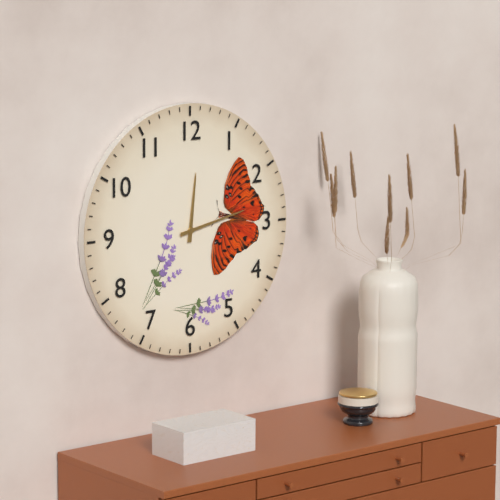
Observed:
{"hour": 12, "minute": 13}
